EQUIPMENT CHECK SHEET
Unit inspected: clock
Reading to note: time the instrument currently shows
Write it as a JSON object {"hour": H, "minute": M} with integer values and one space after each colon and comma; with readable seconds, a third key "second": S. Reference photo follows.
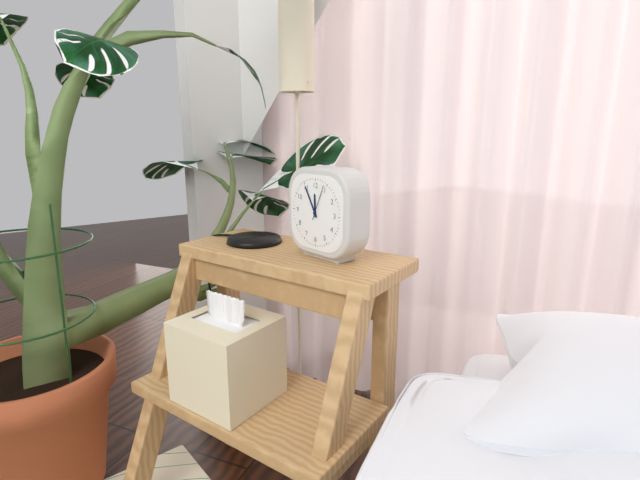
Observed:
{"hour": 11, "minute": 55}
